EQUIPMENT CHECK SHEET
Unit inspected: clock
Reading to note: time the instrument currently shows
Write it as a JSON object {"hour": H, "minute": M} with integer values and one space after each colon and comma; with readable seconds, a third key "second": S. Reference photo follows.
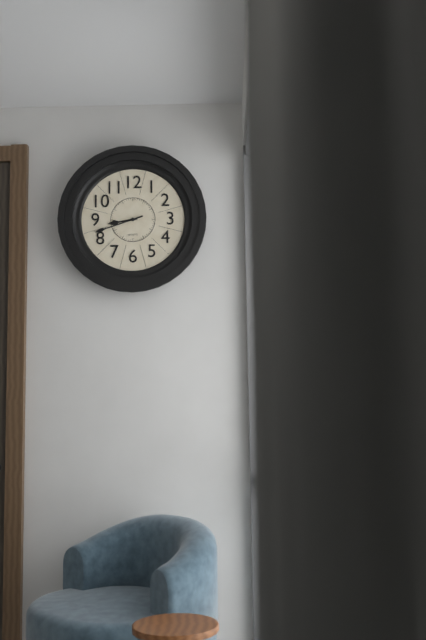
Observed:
{"hour": 8, "minute": 42}
